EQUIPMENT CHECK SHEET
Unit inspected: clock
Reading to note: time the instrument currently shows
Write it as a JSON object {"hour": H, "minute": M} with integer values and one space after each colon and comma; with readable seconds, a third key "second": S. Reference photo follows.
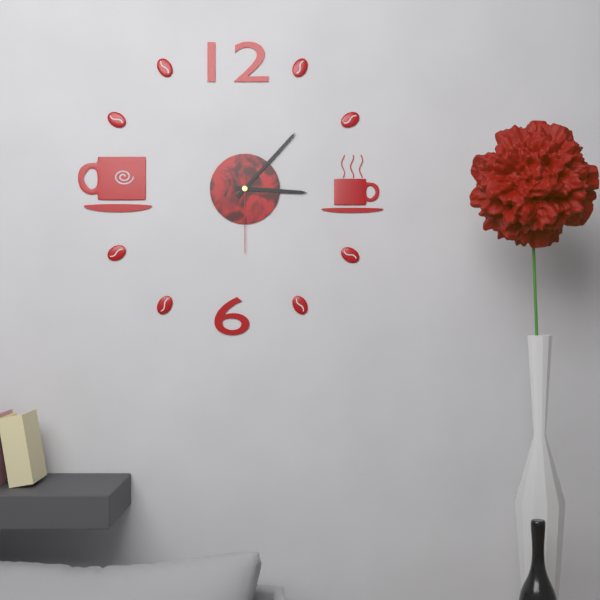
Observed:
{"hour": 3, "minute": 7, "second": 30}
